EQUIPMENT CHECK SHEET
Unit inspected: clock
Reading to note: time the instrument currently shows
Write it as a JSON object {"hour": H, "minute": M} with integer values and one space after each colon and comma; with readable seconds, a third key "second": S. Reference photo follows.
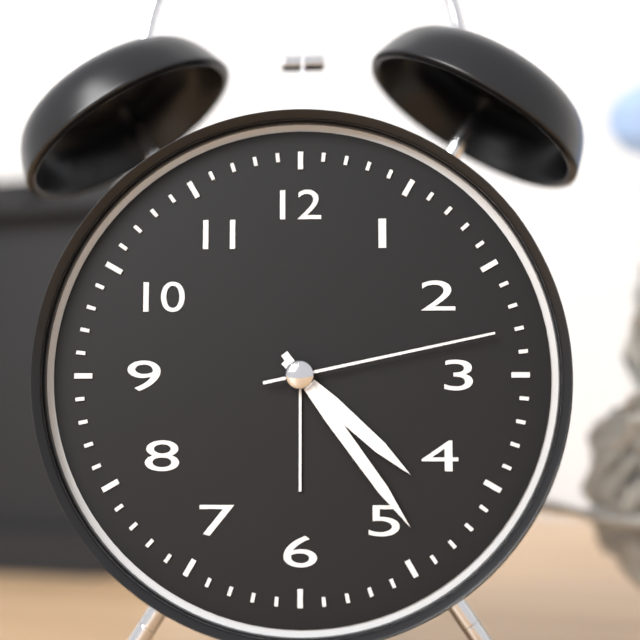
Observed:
{"hour": 4, "minute": 24, "second": 13}
